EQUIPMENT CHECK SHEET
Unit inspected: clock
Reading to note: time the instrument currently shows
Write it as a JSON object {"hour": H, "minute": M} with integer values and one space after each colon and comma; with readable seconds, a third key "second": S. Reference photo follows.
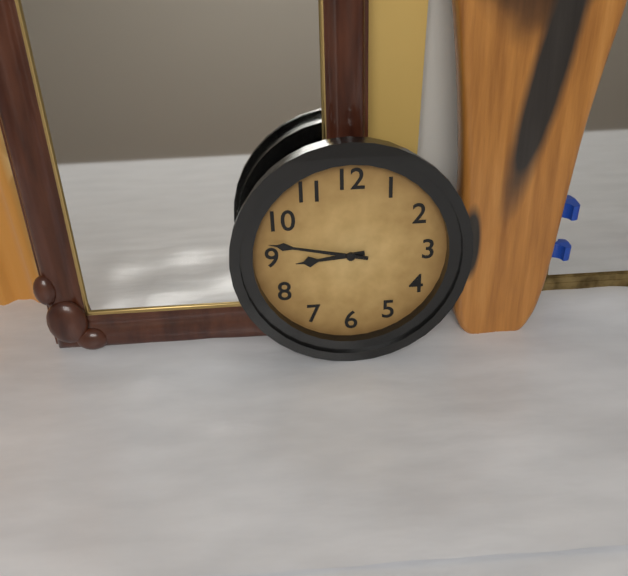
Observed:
{"hour": 8, "minute": 47}
